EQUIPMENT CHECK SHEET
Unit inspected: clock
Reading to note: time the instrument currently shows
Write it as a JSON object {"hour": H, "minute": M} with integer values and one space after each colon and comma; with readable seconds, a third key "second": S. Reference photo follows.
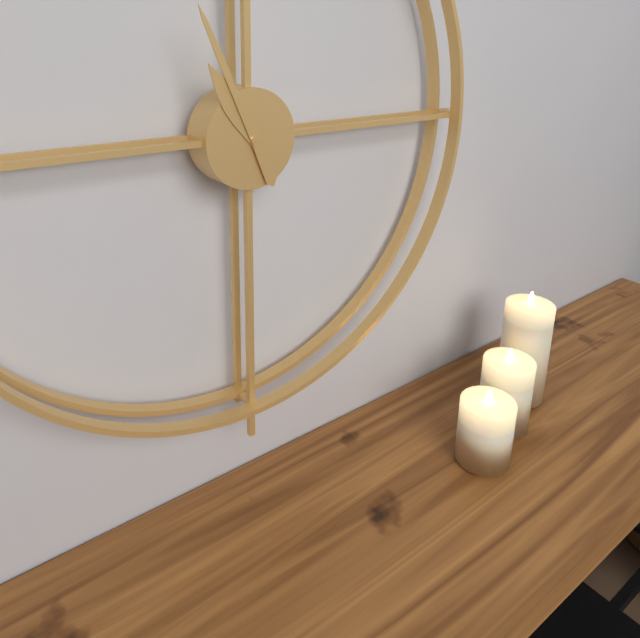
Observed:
{"hour": 10, "minute": 56}
